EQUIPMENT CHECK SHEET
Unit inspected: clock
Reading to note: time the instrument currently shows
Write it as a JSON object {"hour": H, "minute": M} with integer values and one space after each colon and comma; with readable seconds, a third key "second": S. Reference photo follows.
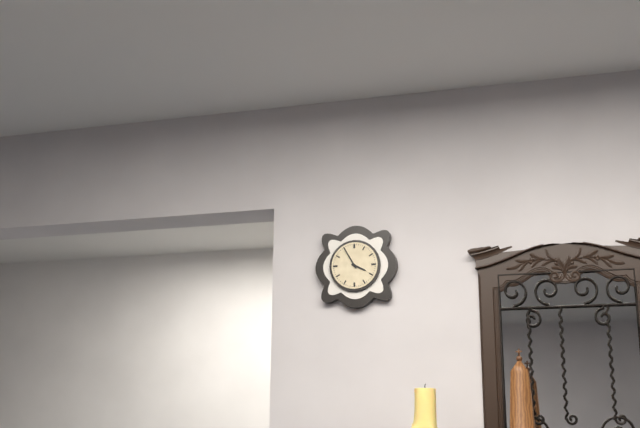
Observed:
{"hour": 3, "minute": 55}
